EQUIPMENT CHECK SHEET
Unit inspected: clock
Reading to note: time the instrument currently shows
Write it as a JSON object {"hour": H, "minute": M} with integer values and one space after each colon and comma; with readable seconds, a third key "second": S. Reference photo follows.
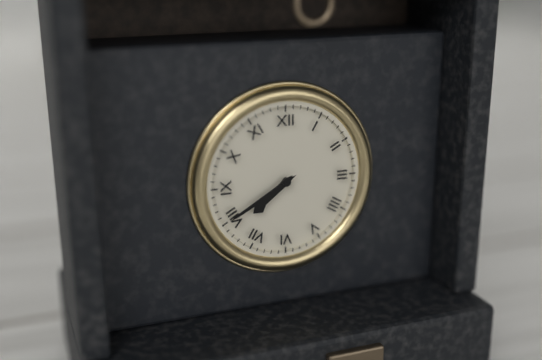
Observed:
{"hour": 7, "minute": 40}
